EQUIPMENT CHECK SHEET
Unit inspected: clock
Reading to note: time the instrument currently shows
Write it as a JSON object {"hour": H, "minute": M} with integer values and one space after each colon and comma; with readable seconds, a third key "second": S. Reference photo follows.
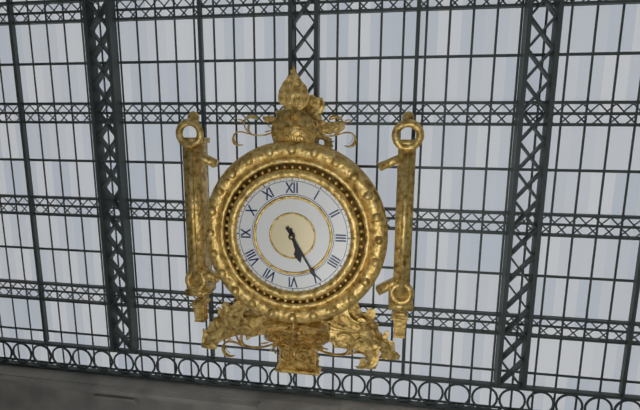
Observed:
{"hour": 5, "minute": 25}
